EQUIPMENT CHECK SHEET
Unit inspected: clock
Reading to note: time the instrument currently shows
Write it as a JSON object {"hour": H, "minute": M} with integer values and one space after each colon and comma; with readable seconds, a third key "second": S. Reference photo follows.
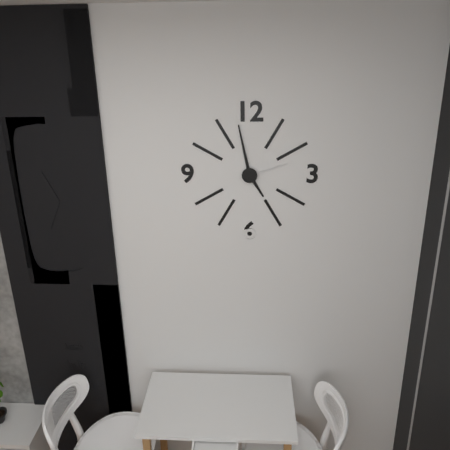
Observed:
{"hour": 4, "minute": 58, "second": 12}
